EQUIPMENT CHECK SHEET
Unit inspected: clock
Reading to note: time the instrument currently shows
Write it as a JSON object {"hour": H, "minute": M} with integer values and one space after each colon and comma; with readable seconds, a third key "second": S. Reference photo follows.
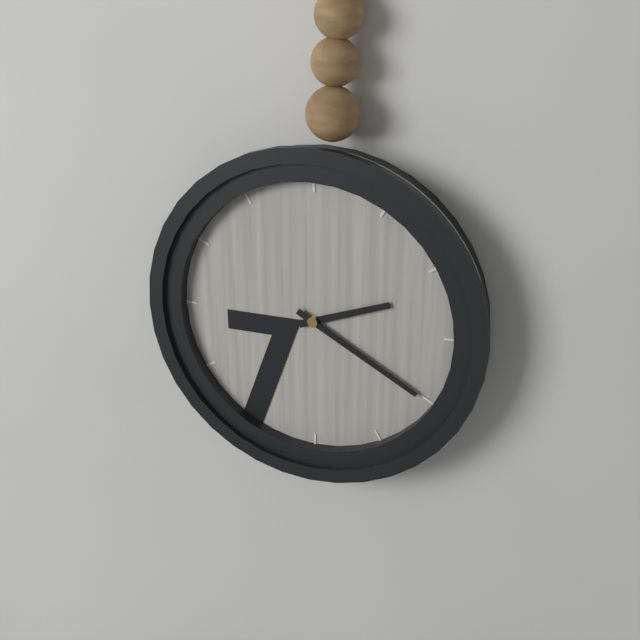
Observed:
{"hour": 2, "minute": 20}
